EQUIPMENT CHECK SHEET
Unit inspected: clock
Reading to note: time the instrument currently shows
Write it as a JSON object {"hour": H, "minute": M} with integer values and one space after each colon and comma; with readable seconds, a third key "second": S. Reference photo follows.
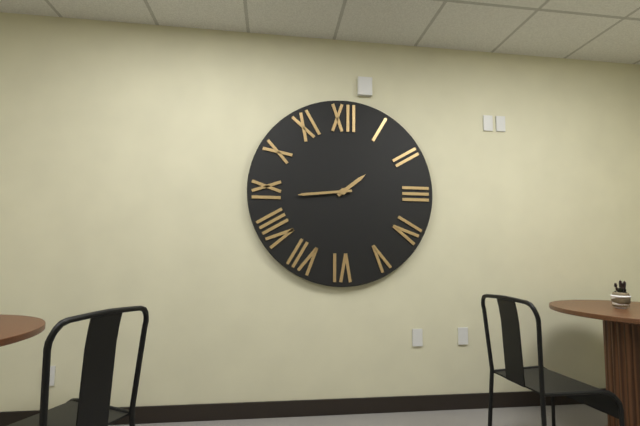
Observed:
{"hour": 1, "minute": 44}
